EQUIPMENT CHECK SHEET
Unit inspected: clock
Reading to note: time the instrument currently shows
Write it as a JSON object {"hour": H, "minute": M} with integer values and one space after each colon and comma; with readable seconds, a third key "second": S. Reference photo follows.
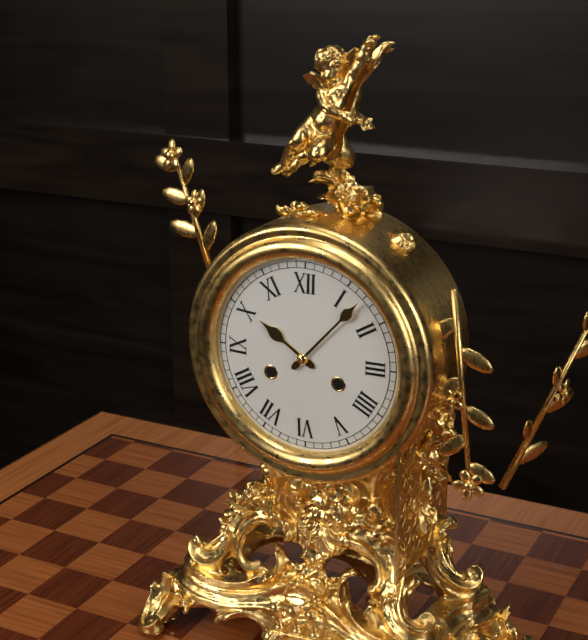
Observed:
{"hour": 10, "minute": 7}
